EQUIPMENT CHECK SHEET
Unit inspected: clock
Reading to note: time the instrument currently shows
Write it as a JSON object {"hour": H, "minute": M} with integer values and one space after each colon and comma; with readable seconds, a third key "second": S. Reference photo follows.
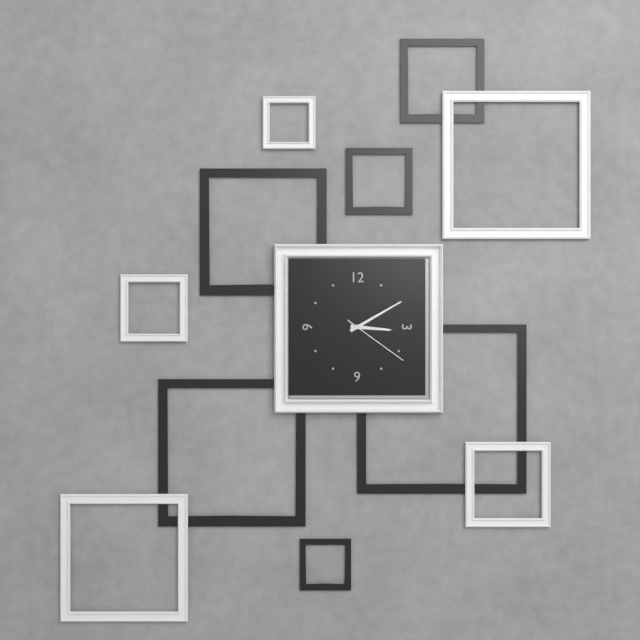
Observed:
{"hour": 3, "minute": 10, "second": 21}
